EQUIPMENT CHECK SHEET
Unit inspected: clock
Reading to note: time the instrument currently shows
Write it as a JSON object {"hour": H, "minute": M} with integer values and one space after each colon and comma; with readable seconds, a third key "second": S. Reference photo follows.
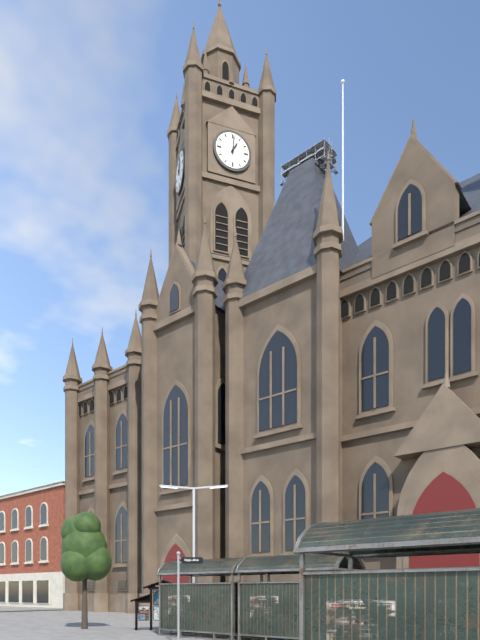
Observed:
{"hour": 1, "minute": 1}
